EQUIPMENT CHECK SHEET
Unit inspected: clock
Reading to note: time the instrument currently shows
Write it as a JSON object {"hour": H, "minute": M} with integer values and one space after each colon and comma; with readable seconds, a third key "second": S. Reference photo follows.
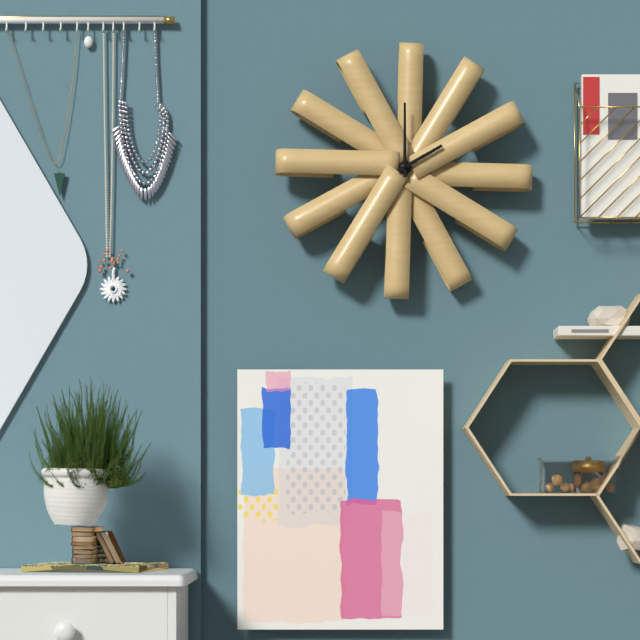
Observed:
{"hour": 2, "minute": 0}
